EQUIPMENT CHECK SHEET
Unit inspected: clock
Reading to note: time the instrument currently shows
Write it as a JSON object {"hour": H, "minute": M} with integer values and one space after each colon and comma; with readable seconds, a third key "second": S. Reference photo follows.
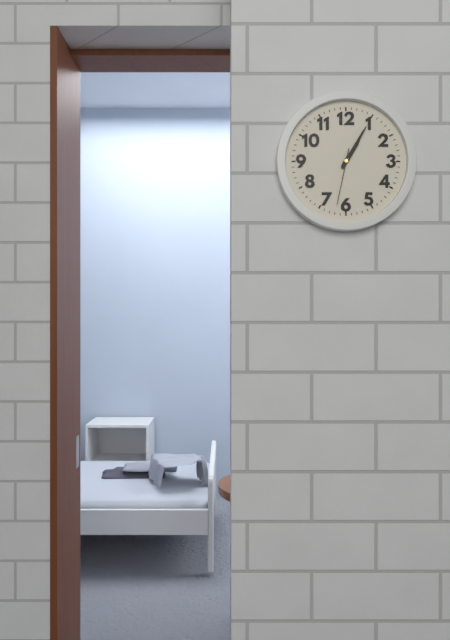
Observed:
{"hour": 1, "minute": 5, "second": 32}
